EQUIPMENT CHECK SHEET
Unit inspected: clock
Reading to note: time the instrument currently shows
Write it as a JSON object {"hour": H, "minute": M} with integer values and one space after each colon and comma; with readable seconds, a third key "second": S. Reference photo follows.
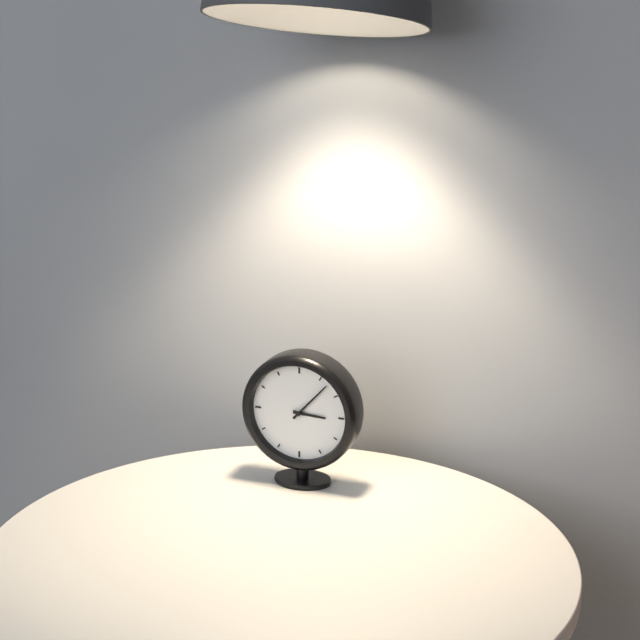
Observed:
{"hour": 3, "minute": 7}
